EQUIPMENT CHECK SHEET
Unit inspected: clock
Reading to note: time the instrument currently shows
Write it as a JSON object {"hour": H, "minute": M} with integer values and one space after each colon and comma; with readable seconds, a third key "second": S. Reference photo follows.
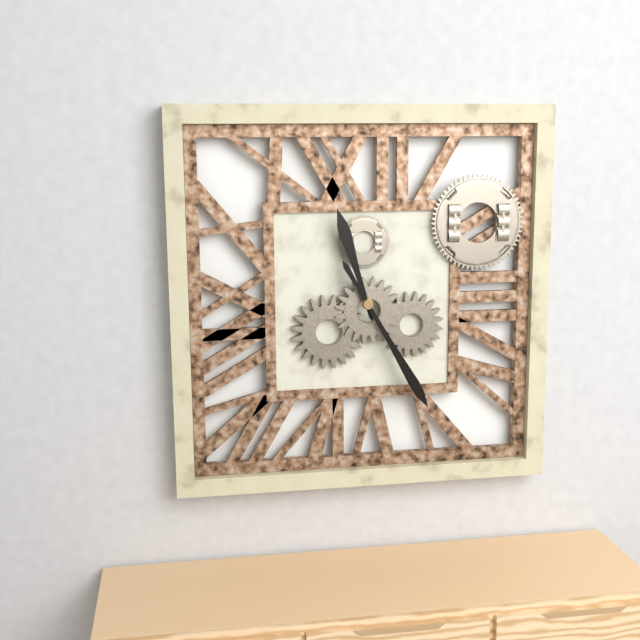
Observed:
{"hour": 11, "minute": 25}
